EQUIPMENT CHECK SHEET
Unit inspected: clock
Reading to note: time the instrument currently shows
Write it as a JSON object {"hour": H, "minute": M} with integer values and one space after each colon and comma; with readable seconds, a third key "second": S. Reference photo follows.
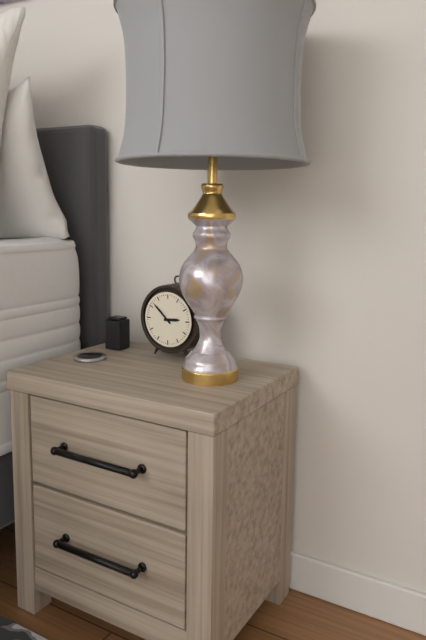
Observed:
{"hour": 2, "minute": 52}
